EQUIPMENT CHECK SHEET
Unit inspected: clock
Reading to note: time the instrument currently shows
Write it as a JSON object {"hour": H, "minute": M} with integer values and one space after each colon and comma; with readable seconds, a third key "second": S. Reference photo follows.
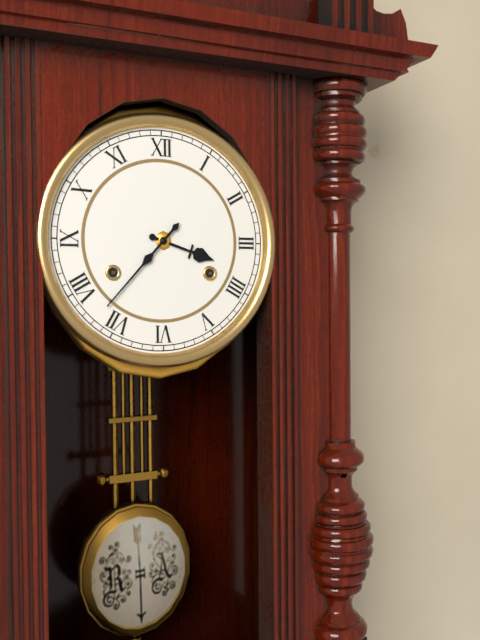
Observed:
{"hour": 3, "minute": 37}
